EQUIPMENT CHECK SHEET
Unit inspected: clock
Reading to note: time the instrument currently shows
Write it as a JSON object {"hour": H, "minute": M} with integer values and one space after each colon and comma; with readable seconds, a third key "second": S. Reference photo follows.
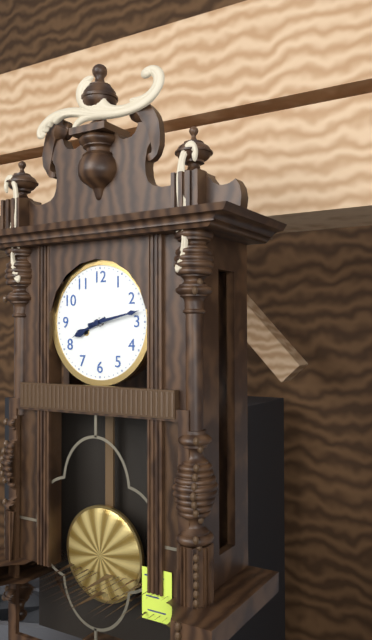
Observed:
{"hour": 8, "minute": 13}
